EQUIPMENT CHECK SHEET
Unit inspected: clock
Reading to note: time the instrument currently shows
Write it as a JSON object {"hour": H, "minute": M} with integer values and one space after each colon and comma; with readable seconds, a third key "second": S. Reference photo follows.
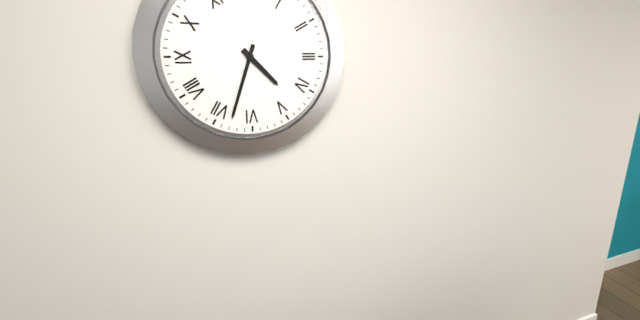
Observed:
{"hour": 4, "minute": 33}
